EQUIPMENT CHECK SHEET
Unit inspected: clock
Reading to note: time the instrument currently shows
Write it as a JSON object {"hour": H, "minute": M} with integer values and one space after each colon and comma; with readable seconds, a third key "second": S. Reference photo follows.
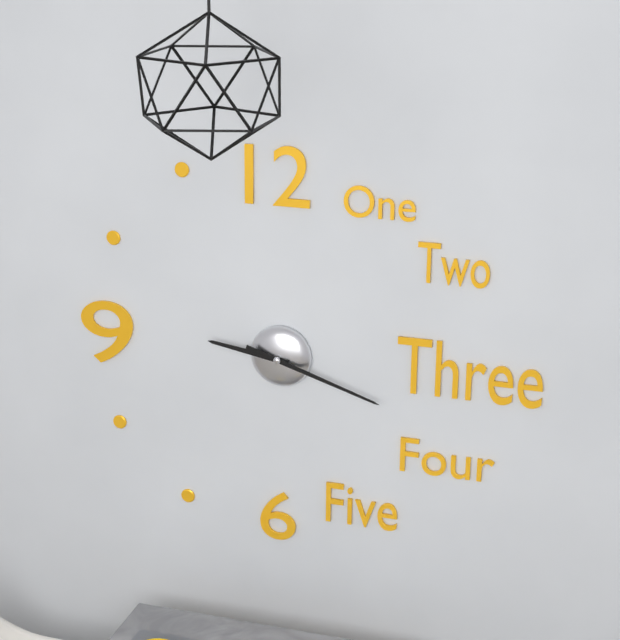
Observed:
{"hour": 9, "minute": 18}
